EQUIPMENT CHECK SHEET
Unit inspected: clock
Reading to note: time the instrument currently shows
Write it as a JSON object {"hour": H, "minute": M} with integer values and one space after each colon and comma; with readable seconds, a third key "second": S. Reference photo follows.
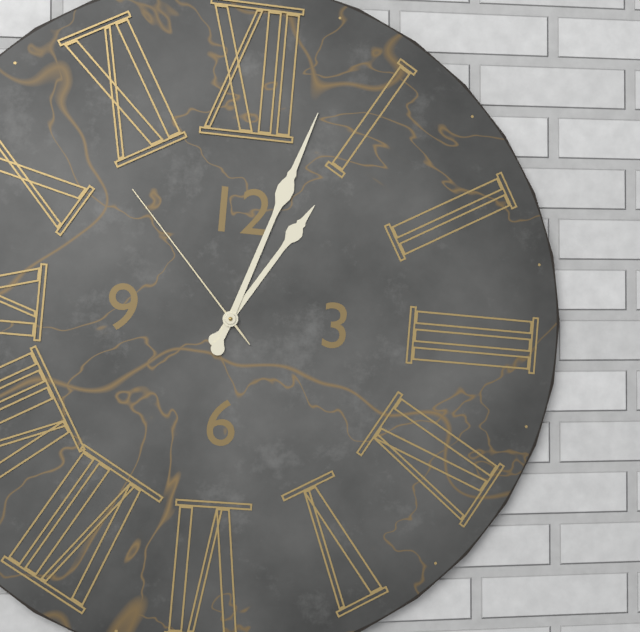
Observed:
{"hour": 1, "minute": 3, "second": 53}
